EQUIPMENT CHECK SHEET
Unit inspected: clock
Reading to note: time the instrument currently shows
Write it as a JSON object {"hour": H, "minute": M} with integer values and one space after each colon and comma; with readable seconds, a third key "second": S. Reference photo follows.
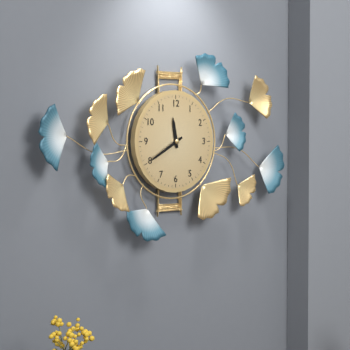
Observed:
{"hour": 11, "minute": 40}
